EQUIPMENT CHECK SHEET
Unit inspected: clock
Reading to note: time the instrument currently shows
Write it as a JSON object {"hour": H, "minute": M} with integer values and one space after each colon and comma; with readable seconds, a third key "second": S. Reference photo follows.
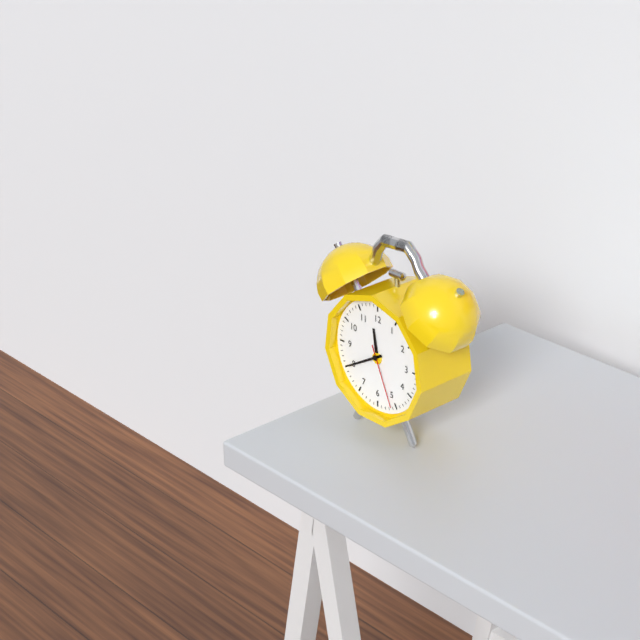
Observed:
{"hour": 11, "minute": 40, "second": 26}
